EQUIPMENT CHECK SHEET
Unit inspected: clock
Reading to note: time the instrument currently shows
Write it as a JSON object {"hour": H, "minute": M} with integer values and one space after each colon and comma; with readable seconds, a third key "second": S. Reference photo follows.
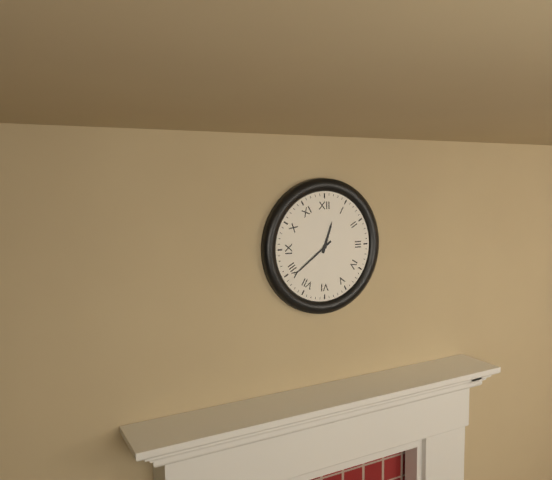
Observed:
{"hour": 12, "minute": 39}
